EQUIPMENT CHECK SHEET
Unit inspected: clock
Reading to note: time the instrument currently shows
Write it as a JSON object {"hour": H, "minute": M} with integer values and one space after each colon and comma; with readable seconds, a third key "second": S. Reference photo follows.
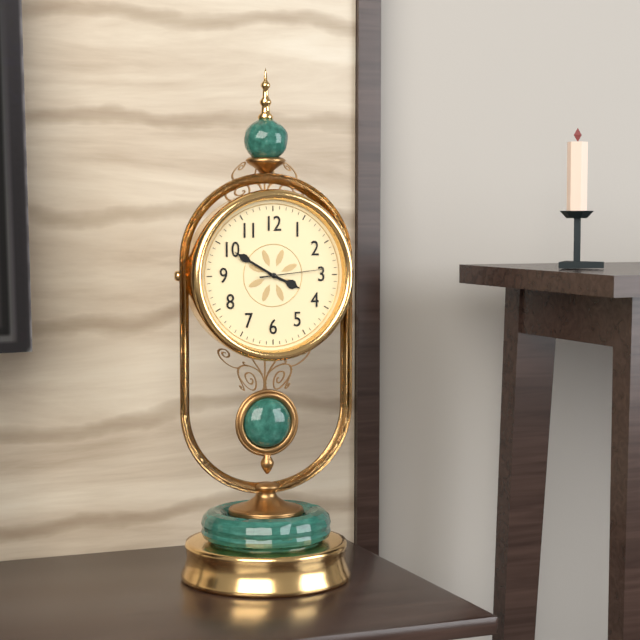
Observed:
{"hour": 3, "minute": 50, "second": 14}
